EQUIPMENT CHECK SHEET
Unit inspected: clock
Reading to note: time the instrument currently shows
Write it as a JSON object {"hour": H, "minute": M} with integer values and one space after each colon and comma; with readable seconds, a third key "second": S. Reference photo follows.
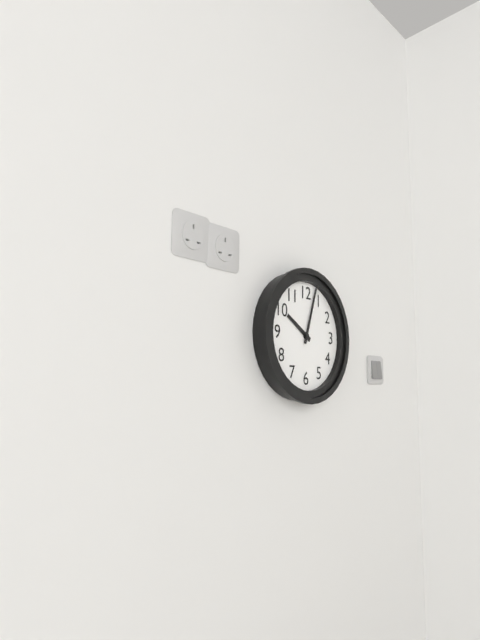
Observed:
{"hour": 10, "minute": 3}
